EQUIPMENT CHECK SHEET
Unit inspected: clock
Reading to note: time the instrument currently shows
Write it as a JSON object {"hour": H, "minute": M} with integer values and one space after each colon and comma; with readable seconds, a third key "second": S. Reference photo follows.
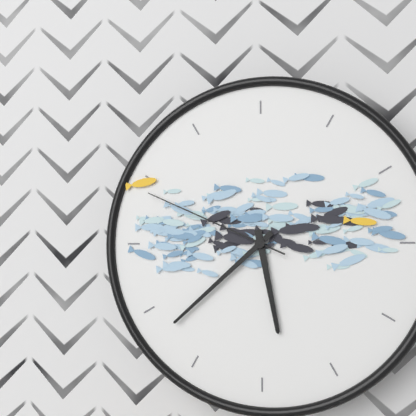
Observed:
{"hour": 5, "minute": 38, "second": 49}
